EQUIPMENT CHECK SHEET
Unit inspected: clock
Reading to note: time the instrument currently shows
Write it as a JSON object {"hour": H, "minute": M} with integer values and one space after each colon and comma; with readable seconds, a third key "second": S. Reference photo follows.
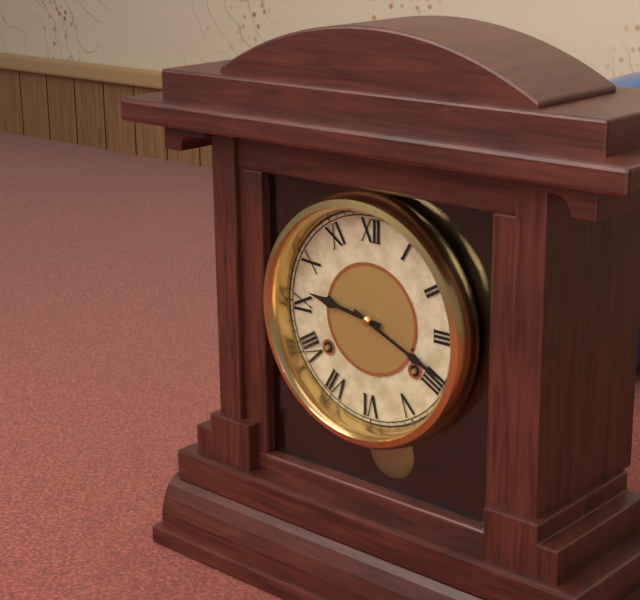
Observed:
{"hour": 9, "minute": 19}
